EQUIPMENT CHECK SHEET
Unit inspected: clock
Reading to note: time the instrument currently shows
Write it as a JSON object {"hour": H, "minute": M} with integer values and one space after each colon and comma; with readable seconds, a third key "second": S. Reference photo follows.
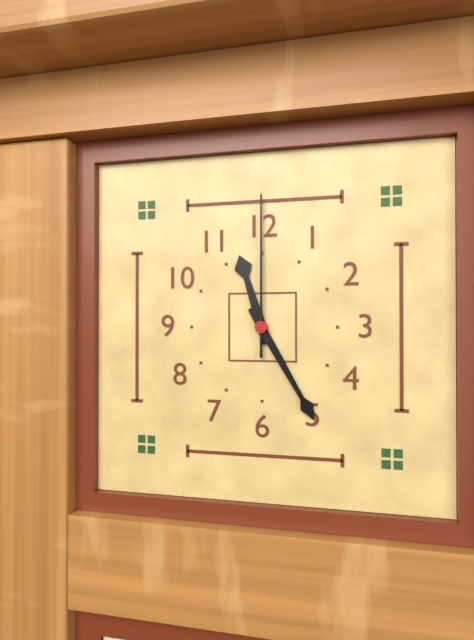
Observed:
{"hour": 11, "minute": 25, "second": 0}
